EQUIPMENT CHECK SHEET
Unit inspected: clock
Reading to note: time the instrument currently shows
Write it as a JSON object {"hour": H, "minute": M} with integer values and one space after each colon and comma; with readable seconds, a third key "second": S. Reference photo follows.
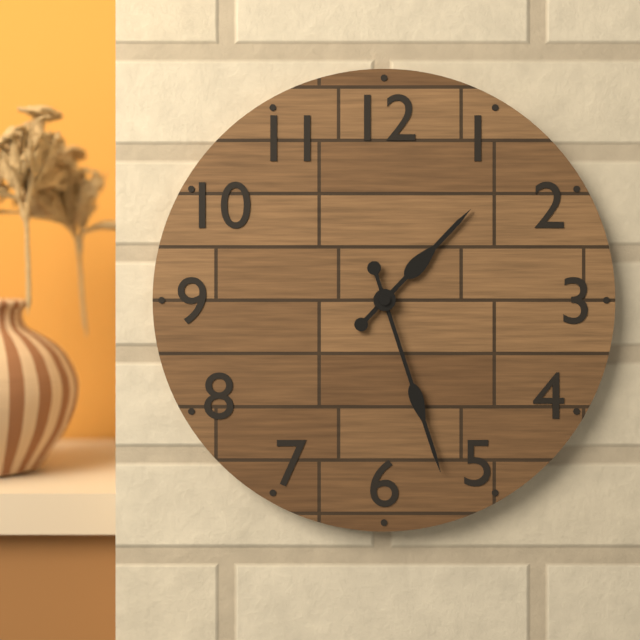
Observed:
{"hour": 1, "minute": 27}
